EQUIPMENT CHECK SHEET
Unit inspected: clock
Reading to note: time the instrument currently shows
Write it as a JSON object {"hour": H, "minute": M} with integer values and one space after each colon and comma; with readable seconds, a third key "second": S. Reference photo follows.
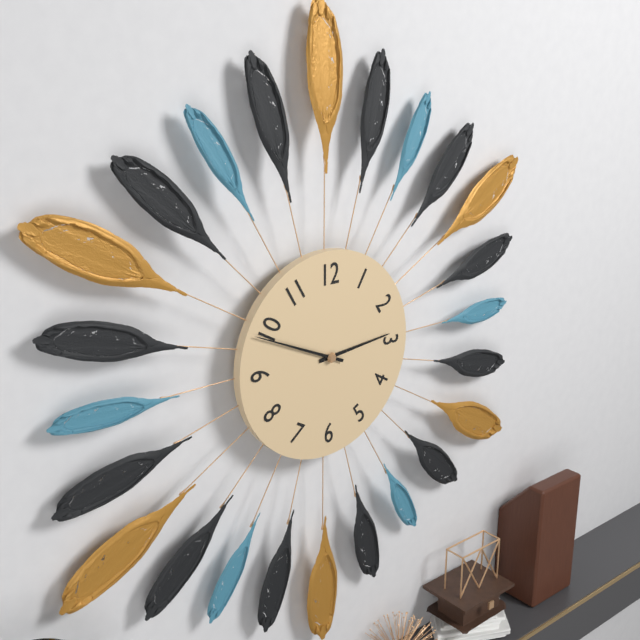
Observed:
{"hour": 2, "minute": 49}
